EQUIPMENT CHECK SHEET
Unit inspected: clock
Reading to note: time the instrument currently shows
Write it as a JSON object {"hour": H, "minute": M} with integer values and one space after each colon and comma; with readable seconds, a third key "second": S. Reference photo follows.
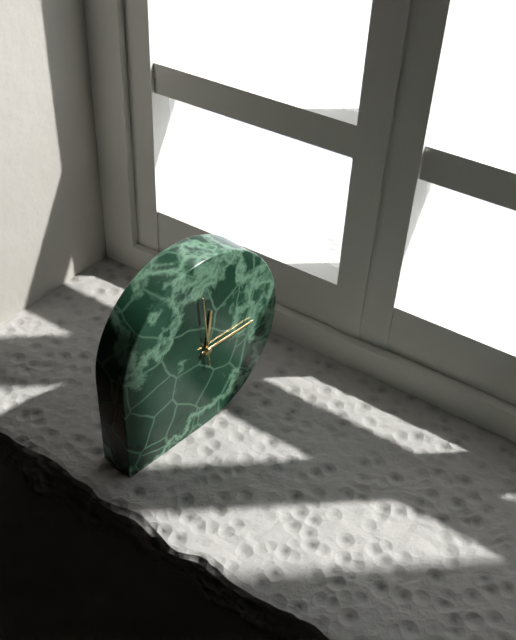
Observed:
{"hour": 12, "minute": 15, "second": 59}
